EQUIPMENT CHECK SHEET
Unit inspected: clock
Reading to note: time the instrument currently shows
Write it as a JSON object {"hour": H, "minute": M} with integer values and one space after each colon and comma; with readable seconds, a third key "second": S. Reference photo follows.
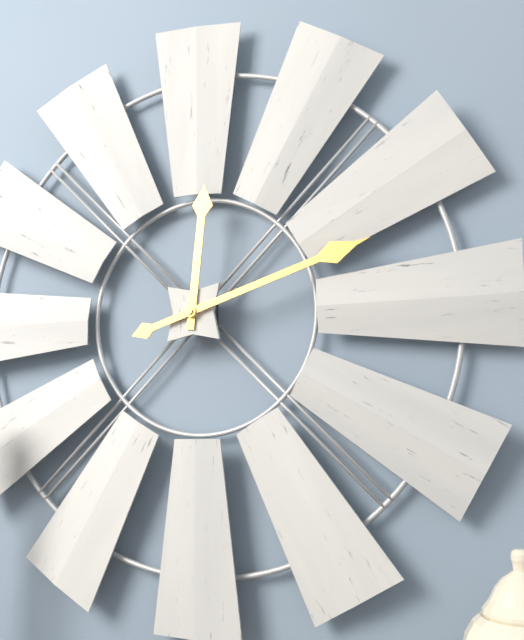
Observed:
{"hour": 12, "minute": 12}
